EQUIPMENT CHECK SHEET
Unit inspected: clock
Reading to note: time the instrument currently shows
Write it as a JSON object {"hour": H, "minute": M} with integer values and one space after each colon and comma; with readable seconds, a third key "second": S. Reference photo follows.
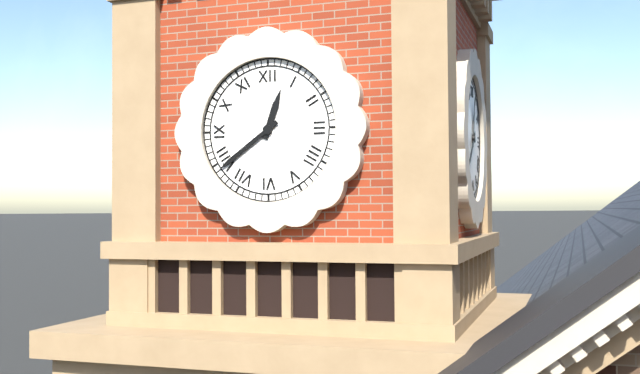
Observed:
{"hour": 12, "minute": 39}
